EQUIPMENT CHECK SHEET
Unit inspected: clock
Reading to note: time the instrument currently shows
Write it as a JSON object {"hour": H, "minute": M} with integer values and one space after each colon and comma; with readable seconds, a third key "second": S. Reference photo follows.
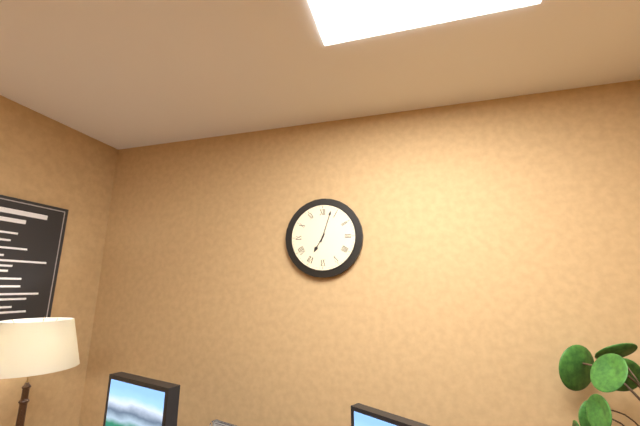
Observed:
{"hour": 7, "minute": 3}
